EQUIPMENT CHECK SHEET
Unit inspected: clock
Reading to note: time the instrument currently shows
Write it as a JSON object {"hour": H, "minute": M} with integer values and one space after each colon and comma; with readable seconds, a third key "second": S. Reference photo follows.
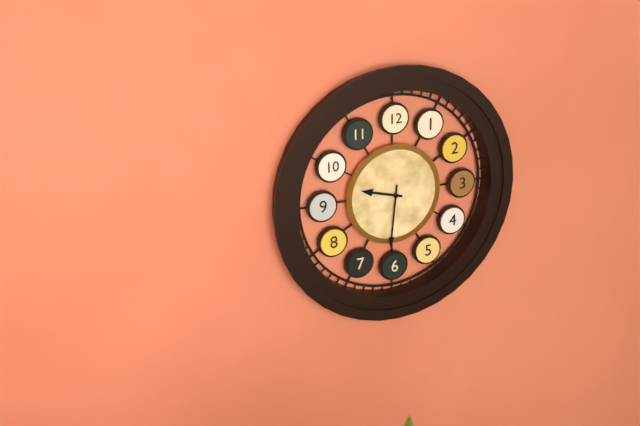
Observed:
{"hour": 9, "minute": 31}
